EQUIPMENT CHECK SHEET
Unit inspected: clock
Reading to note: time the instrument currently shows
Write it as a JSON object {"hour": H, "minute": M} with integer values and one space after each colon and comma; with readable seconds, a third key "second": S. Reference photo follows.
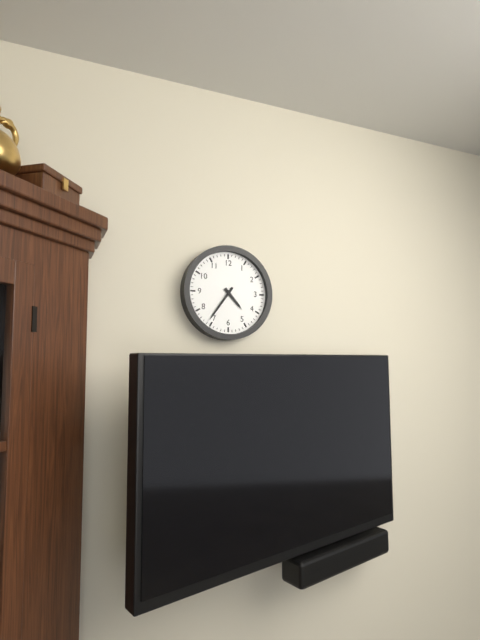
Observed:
{"hour": 4, "minute": 36}
